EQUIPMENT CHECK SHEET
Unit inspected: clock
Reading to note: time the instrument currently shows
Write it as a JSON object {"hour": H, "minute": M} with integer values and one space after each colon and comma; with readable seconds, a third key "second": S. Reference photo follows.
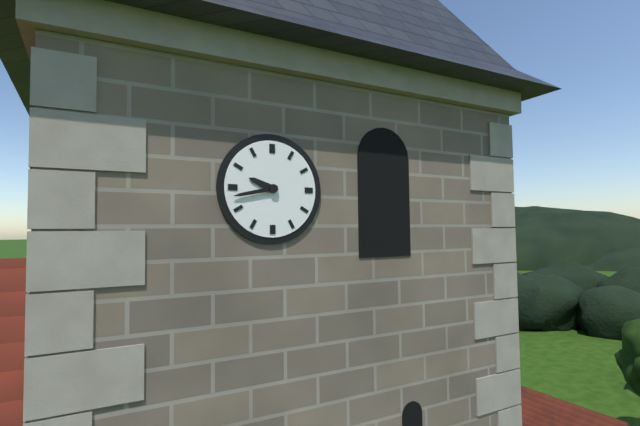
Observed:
{"hour": 9, "minute": 43}
